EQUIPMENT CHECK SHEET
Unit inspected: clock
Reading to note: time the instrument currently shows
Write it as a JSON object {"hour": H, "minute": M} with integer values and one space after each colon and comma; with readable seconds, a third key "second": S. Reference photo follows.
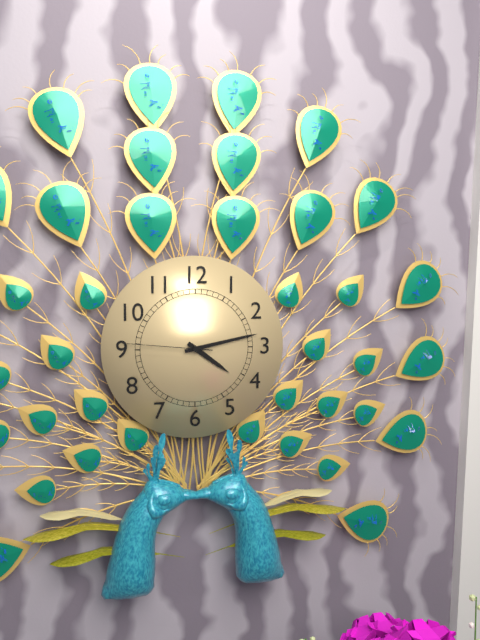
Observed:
{"hour": 4, "minute": 13, "second": 46}
